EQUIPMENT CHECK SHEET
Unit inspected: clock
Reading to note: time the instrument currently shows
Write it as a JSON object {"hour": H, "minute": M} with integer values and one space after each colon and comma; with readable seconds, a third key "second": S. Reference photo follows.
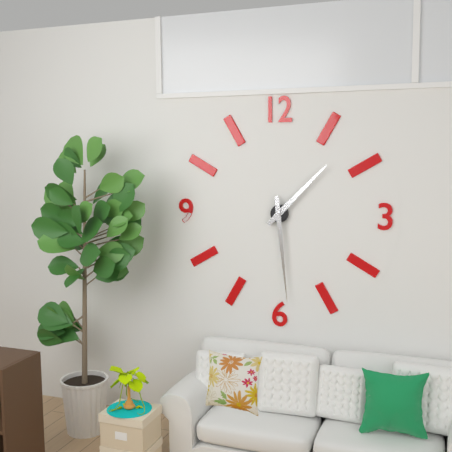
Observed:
{"hour": 1, "minute": 29}
